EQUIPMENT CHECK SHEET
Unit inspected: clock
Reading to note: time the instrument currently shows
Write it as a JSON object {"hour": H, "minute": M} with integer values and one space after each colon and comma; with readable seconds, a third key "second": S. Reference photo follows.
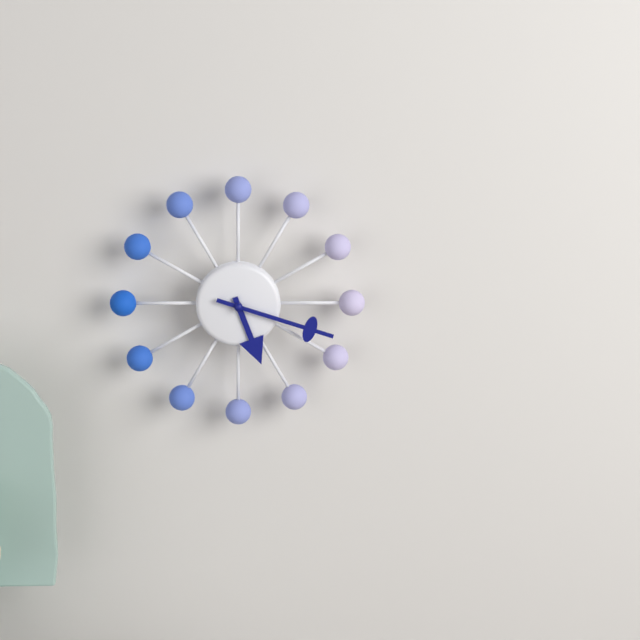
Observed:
{"hour": 5, "minute": 18}
